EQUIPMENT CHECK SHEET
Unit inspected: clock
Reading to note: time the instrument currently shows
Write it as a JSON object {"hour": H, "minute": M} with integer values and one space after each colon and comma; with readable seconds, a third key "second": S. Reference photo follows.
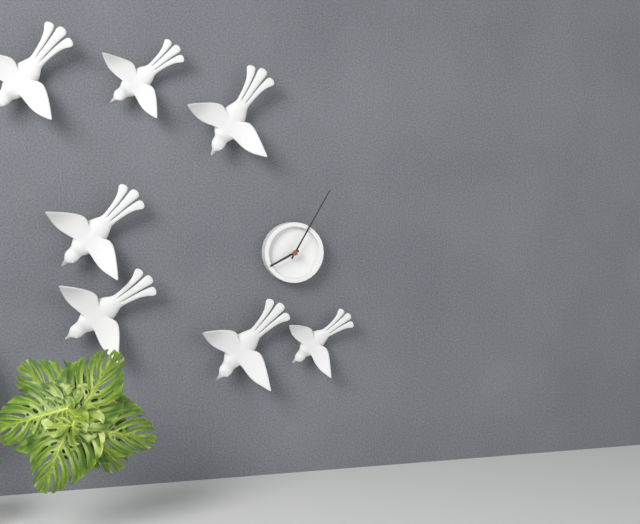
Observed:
{"hour": 8, "minute": 5}
